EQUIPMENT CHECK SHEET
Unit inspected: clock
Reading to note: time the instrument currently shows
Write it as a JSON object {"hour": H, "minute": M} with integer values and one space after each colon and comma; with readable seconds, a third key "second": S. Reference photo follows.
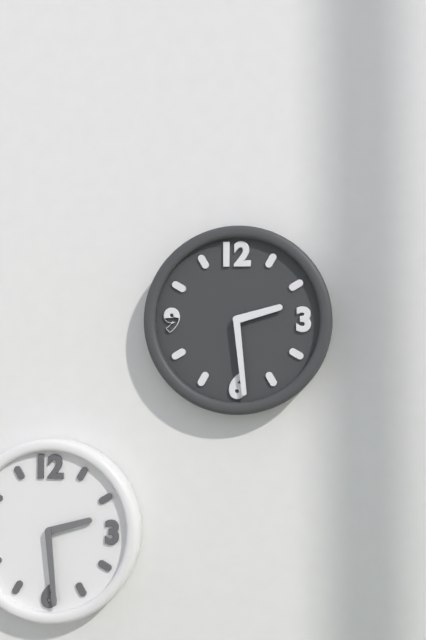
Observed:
{"hour": 2, "minute": 29}
